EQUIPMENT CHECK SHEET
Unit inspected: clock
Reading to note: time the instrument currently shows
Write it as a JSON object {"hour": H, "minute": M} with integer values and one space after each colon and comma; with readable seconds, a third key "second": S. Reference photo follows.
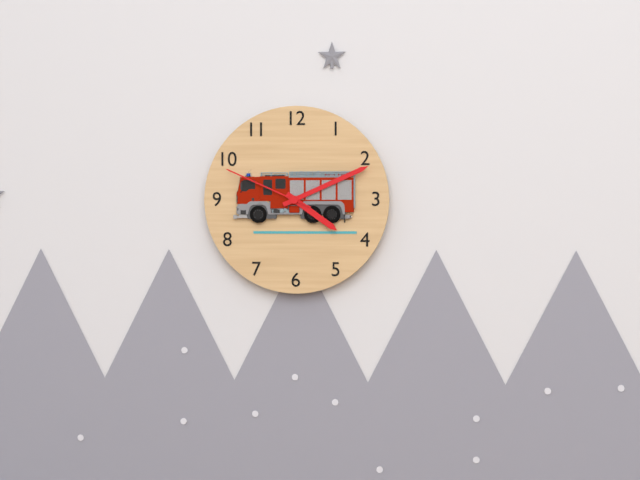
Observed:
{"hour": 4, "minute": 11, "second": 49}
